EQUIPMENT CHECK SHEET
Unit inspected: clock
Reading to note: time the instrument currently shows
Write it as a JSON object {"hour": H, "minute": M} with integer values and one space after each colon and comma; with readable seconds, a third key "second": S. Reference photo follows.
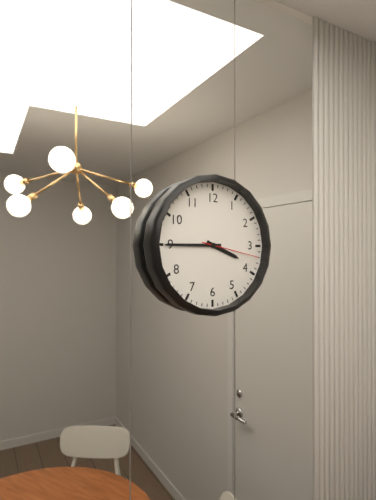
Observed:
{"hour": 3, "minute": 45, "second": 17}
